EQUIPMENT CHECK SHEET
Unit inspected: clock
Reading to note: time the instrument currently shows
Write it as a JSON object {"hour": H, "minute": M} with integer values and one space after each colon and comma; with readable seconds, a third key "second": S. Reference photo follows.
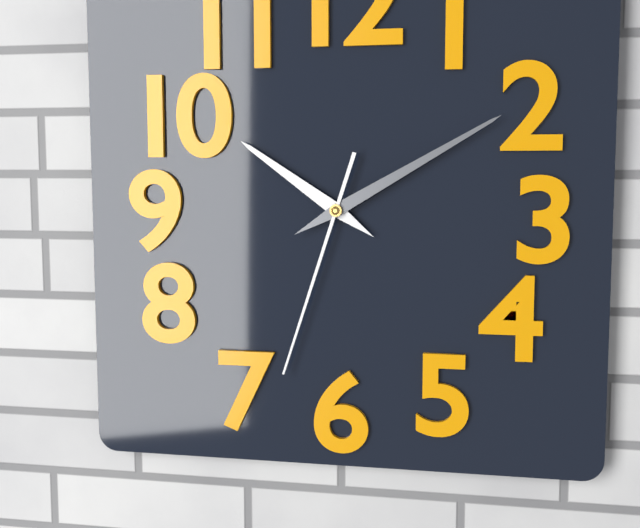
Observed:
{"hour": 10, "minute": 10, "second": 33}
